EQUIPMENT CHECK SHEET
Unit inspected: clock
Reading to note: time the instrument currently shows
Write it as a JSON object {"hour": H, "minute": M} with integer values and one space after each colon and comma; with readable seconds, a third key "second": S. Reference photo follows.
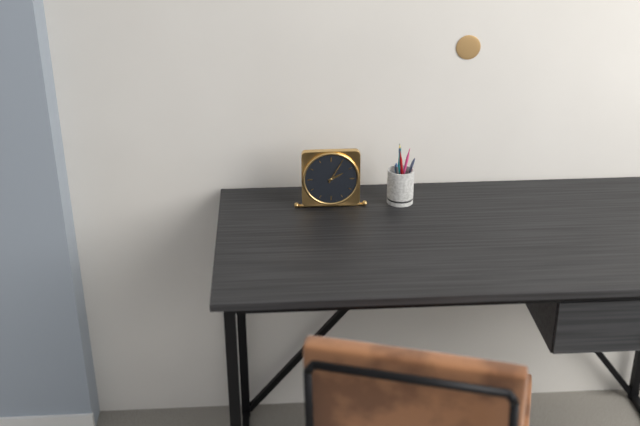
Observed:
{"hour": 2, "minute": 5}
